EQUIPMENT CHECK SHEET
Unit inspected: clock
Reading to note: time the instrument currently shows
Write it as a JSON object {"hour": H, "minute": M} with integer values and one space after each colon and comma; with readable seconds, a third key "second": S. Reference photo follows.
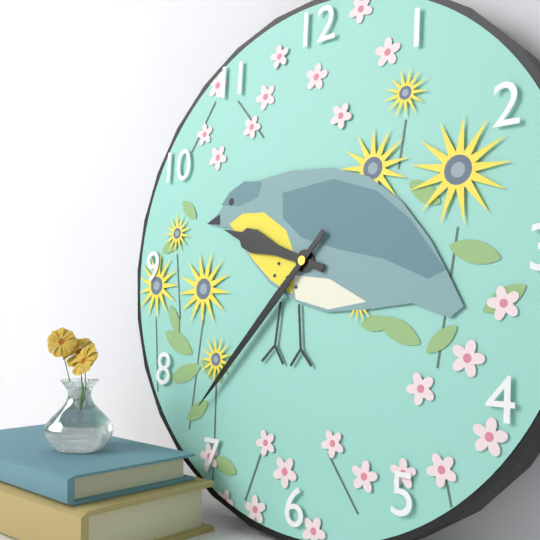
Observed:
{"hour": 9, "minute": 37}
